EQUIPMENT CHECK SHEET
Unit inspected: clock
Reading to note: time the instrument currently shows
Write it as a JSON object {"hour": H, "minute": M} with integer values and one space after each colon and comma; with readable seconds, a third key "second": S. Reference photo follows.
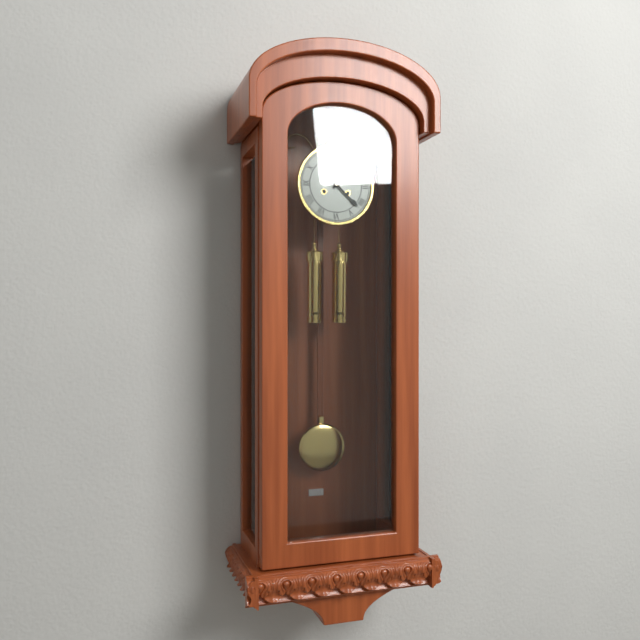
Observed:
{"hour": 1, "minute": 22}
